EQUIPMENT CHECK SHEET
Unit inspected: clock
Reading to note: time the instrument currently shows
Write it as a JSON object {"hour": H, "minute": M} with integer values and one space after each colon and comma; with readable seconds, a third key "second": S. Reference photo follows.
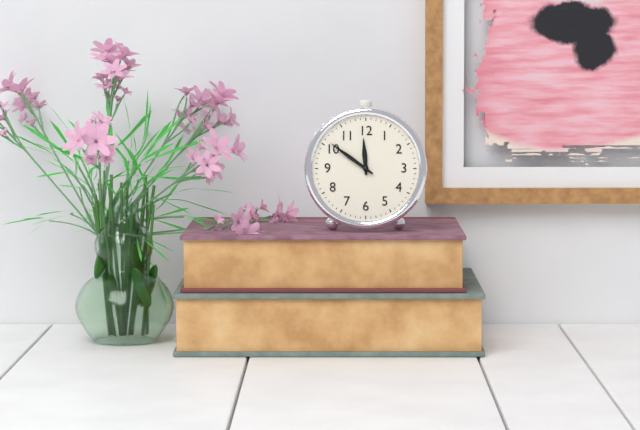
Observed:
{"hour": 11, "minute": 51}
